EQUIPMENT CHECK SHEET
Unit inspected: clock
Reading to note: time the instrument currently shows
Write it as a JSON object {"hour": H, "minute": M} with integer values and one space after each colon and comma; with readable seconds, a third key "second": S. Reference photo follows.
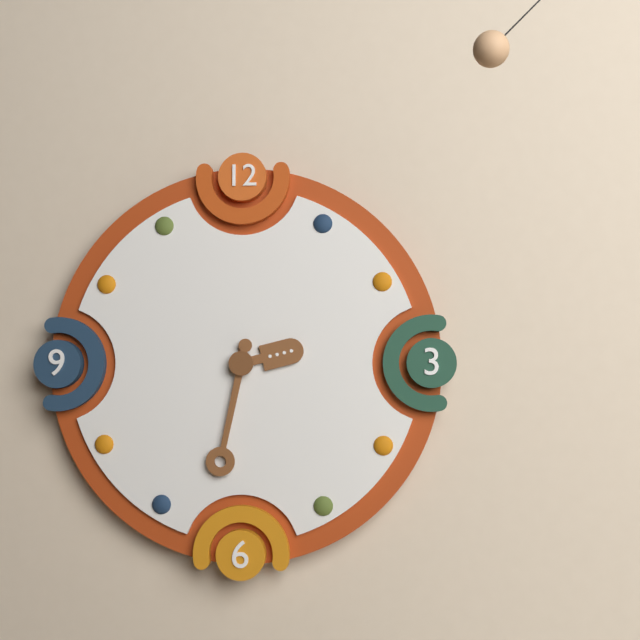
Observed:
{"hour": 2, "minute": 32}
